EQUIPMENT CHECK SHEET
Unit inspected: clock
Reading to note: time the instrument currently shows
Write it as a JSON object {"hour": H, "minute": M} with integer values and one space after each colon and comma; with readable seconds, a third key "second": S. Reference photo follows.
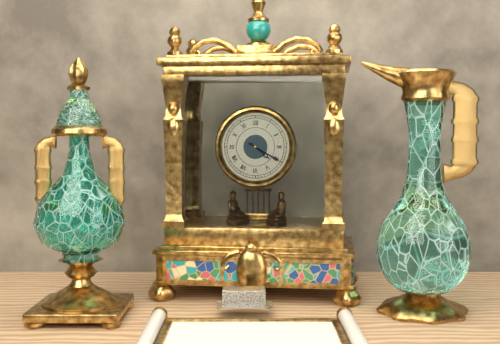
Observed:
{"hour": 4, "minute": 20}
